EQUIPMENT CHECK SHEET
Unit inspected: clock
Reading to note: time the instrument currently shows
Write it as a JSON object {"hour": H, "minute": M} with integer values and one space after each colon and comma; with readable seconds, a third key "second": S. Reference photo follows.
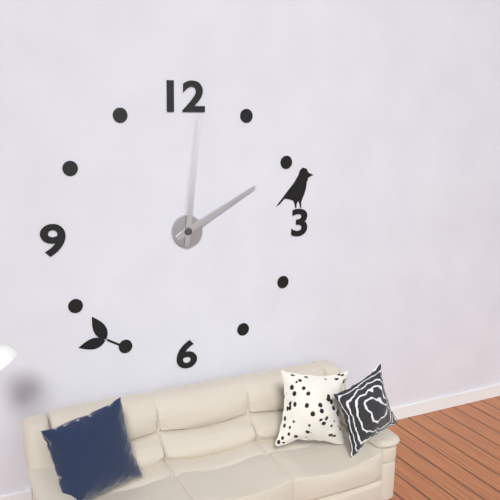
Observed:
{"hour": 2, "minute": 1}
